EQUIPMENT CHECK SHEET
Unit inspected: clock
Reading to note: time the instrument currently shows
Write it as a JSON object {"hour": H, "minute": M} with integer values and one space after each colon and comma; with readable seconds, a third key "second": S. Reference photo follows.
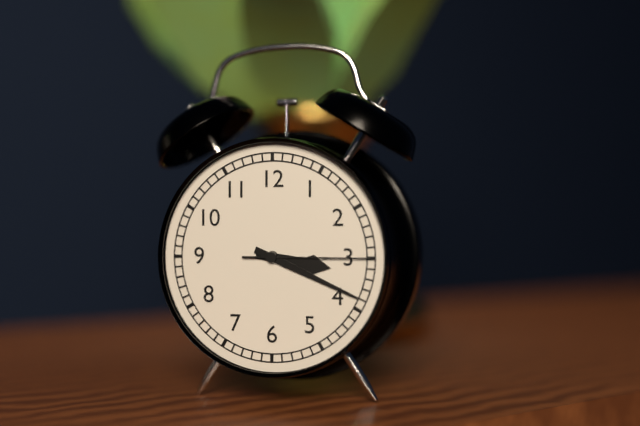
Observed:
{"hour": 3, "minute": 19, "second": 15}
